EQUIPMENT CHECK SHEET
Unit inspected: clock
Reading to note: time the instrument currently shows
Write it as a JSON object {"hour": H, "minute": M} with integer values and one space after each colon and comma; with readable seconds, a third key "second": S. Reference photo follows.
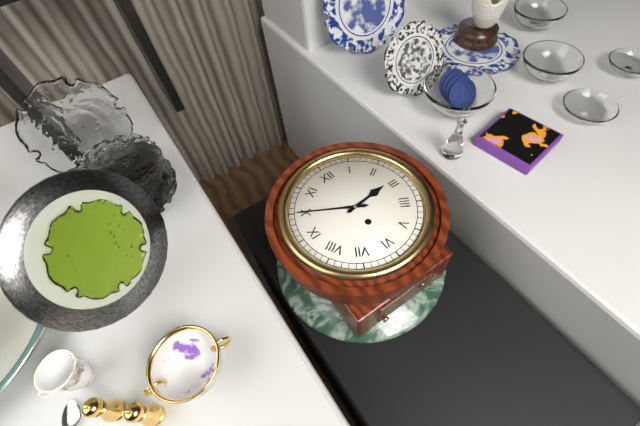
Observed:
{"hour": 2, "minute": 50}
